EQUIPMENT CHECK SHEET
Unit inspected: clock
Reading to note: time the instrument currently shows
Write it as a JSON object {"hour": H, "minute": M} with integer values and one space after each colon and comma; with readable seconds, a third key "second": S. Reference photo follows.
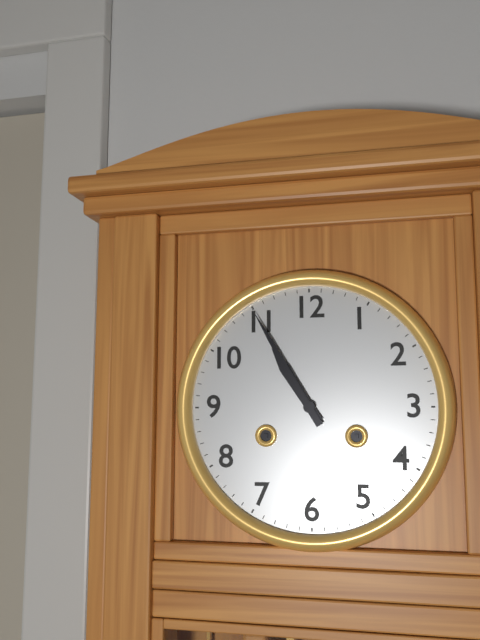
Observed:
{"hour": 10, "minute": 55}
